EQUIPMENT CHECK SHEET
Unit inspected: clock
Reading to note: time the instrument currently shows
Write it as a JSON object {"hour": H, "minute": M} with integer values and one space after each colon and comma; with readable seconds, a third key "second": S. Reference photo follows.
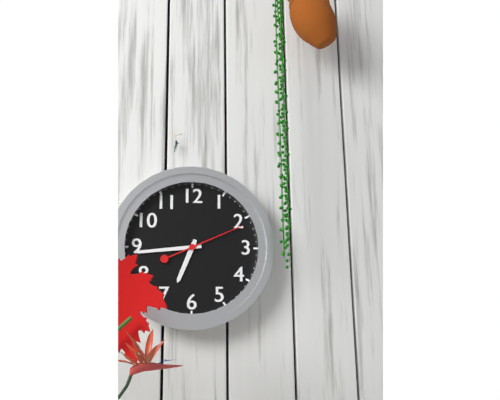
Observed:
{"hour": 6, "minute": 44, "second": 11}
